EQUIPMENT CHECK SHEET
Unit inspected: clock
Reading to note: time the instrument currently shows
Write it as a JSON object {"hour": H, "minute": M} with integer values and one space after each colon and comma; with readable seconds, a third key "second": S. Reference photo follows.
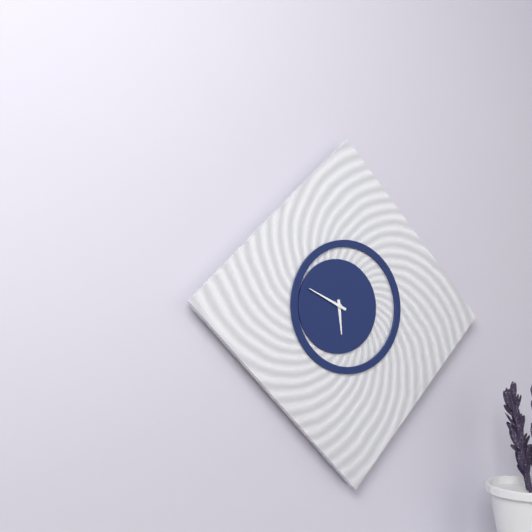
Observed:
{"hour": 5, "minute": 49}
